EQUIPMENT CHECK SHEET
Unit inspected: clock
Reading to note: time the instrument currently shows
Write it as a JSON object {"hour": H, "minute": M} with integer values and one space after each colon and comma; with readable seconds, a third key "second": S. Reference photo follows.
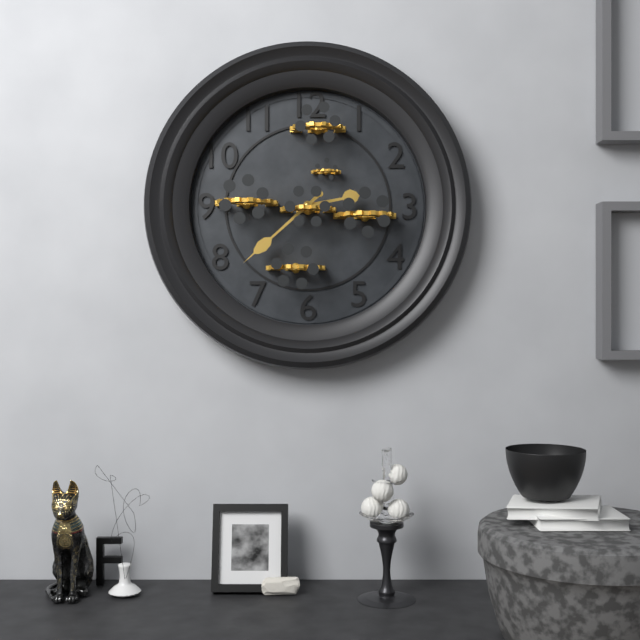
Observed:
{"hour": 2, "minute": 38}
